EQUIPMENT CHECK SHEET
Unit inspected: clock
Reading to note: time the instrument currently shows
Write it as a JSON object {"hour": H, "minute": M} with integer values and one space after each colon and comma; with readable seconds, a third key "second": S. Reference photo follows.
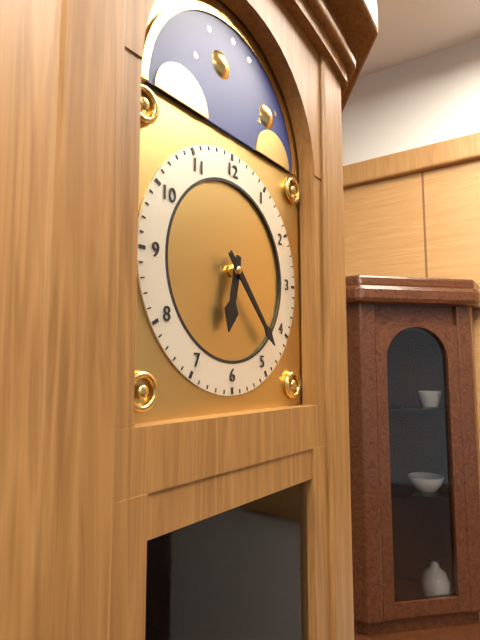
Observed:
{"hour": 6, "minute": 23}
